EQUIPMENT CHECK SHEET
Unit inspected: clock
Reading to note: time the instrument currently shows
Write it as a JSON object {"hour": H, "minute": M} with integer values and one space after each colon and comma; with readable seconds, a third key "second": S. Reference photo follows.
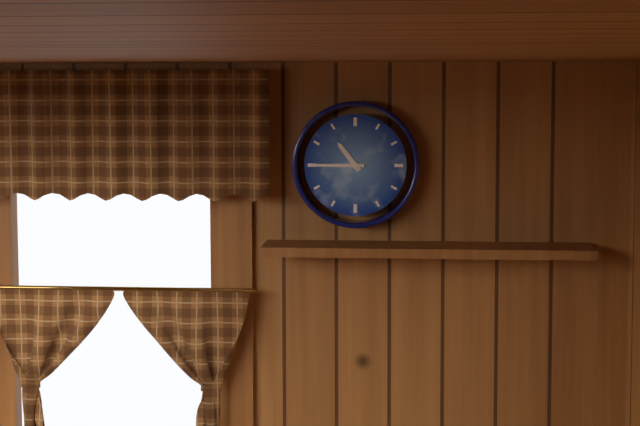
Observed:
{"hour": 10, "minute": 45}
